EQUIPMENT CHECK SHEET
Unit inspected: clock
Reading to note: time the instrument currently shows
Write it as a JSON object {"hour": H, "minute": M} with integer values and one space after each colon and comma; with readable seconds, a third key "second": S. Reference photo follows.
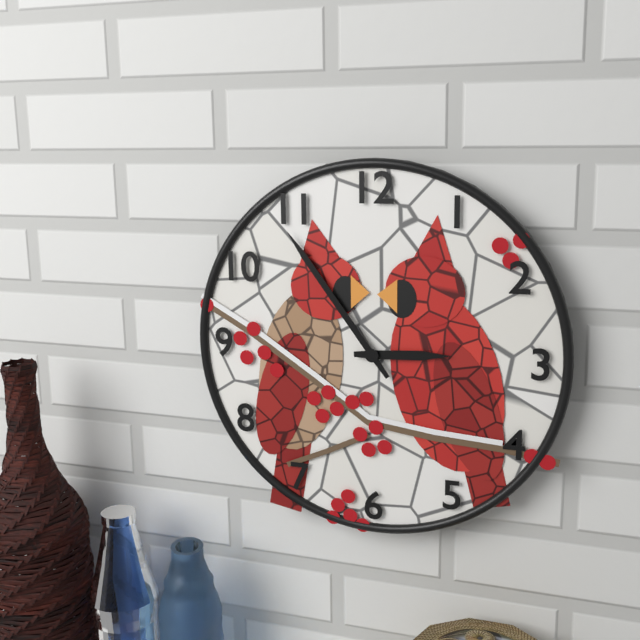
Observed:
{"hour": 2, "minute": 54}
